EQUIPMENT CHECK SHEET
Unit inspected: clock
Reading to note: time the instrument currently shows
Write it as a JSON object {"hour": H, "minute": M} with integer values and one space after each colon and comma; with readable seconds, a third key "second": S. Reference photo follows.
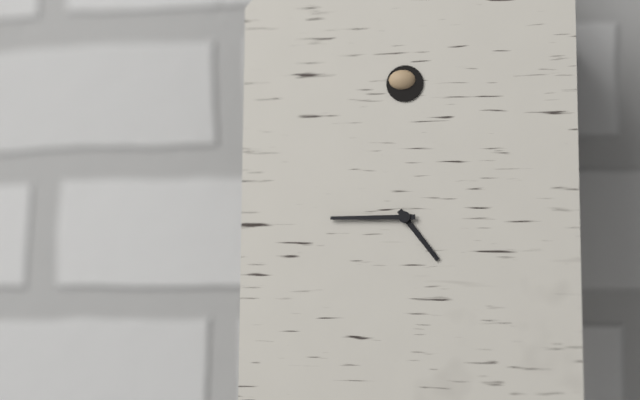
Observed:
{"hour": 4, "minute": 45}
